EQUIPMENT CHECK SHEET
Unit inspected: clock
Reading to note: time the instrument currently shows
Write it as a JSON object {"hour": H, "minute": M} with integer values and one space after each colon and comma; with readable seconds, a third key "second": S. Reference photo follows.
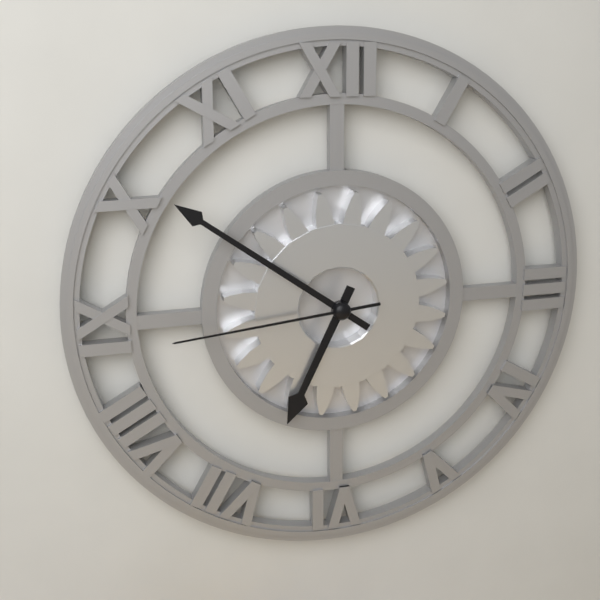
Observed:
{"hour": 6, "minute": 51, "second": 44}
